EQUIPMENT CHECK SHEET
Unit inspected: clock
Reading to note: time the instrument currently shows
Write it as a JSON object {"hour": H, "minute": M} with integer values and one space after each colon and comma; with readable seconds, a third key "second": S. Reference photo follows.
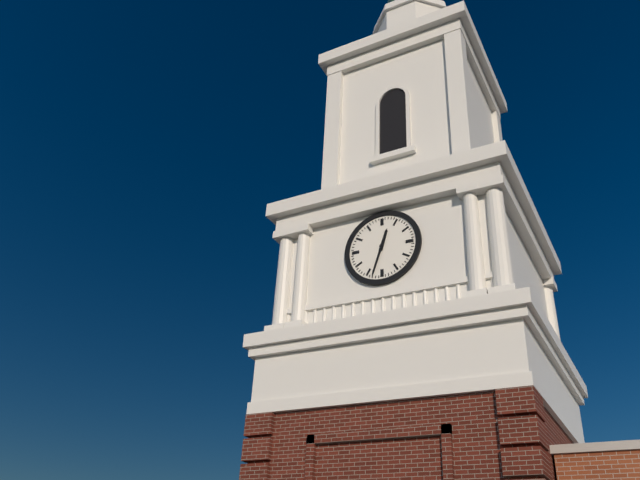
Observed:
{"hour": 12, "minute": 33}
